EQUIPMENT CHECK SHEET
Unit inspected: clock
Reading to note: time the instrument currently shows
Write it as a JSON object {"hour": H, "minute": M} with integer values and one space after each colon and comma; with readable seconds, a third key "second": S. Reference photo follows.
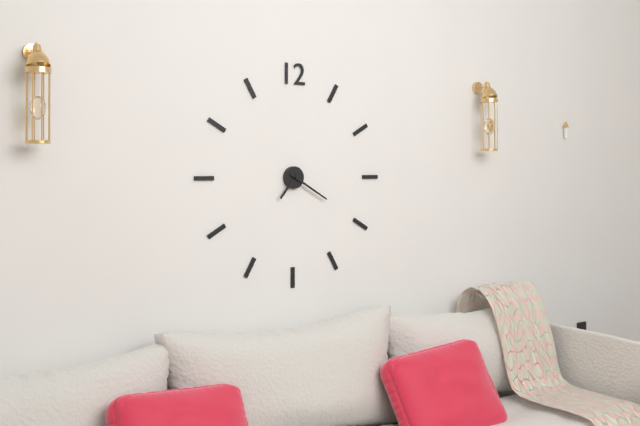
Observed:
{"hour": 7, "minute": 20}
